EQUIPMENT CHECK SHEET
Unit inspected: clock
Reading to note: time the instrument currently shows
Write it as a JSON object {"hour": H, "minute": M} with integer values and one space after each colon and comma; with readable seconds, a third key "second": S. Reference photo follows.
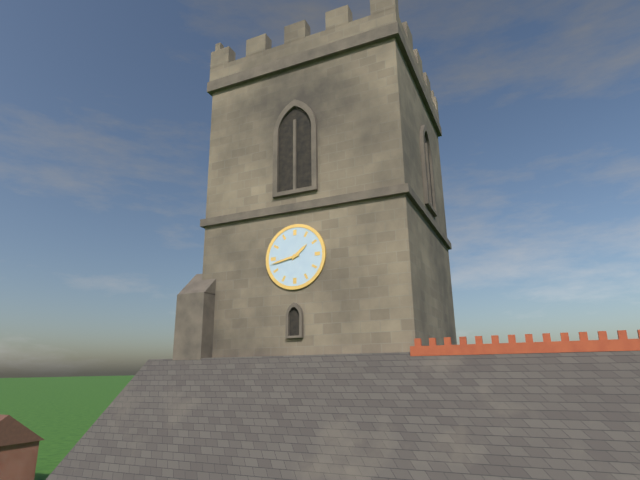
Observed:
{"hour": 1, "minute": 43}
